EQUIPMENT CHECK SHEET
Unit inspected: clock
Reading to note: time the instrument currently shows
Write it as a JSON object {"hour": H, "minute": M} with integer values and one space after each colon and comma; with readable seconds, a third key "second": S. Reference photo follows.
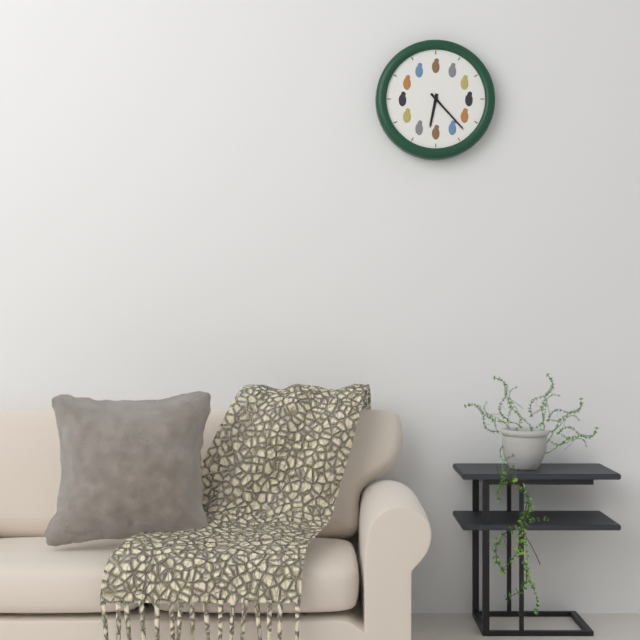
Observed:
{"hour": 6, "minute": 23}
